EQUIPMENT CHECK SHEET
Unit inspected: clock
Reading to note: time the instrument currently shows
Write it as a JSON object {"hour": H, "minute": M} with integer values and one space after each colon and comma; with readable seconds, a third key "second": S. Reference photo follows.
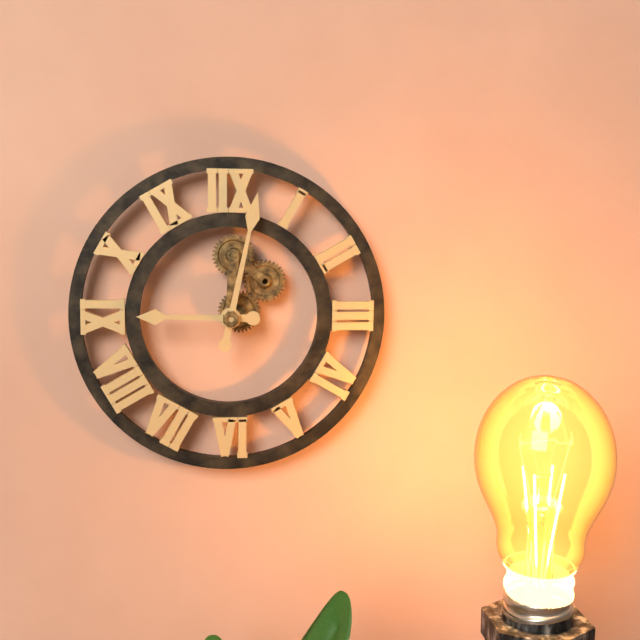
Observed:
{"hour": 9, "minute": 2}
